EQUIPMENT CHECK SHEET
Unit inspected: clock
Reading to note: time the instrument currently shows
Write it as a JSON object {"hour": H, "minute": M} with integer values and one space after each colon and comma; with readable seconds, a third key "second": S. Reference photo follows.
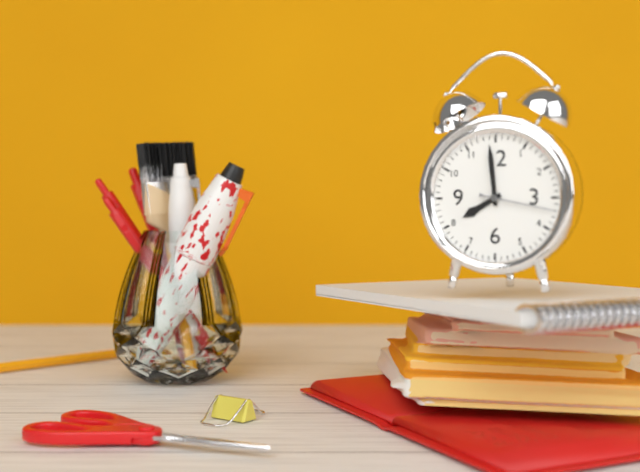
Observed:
{"hour": 7, "minute": 59, "second": 17}
